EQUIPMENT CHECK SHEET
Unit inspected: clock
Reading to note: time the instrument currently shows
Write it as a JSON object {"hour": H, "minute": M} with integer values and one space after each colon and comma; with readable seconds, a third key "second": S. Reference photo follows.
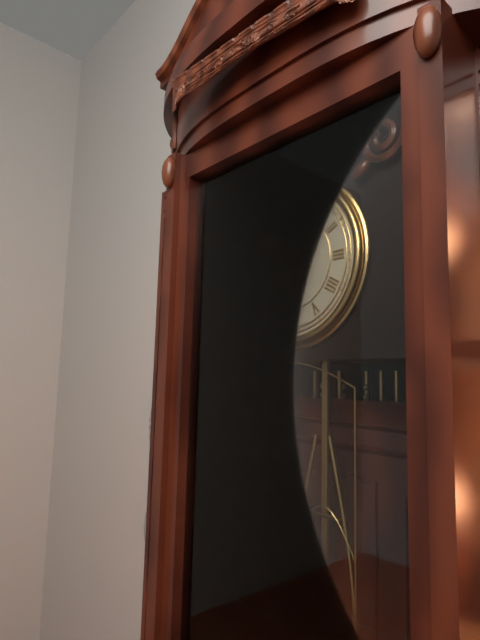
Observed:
{"hour": 10, "minute": 2}
